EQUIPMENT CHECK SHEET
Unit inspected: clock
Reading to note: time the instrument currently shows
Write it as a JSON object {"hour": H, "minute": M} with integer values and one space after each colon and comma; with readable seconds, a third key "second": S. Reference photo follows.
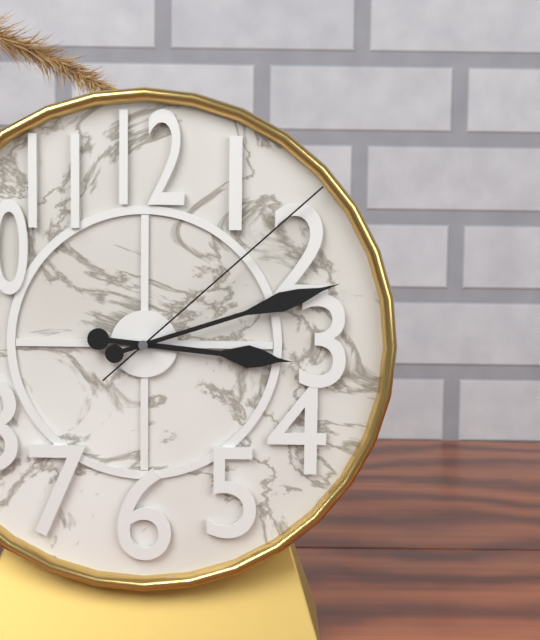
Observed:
{"hour": 3, "minute": 12, "second": 8}
